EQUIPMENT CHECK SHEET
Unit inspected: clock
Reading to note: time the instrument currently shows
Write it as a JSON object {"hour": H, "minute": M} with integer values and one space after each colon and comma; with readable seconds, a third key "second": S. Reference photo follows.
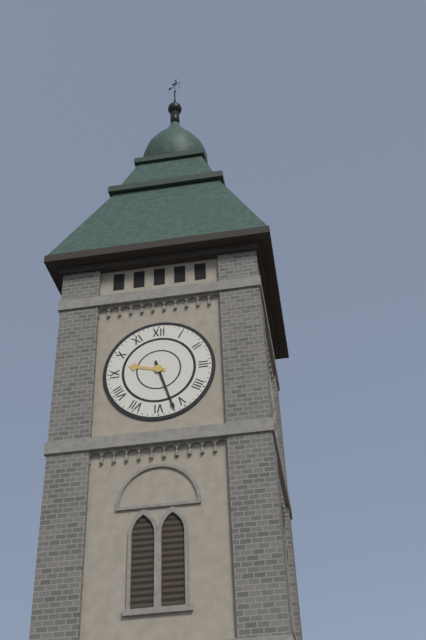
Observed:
{"hour": 9, "minute": 27}
